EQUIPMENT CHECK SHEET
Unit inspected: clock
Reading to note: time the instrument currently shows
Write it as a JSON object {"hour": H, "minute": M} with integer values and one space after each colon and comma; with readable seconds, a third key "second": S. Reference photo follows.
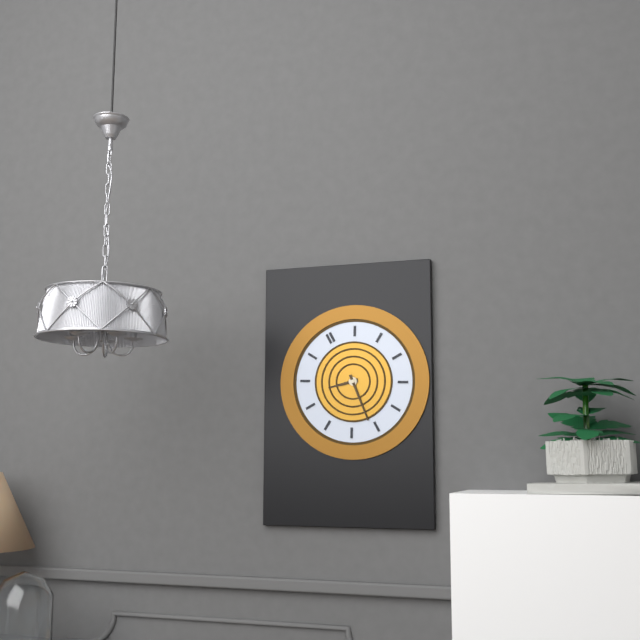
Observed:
{"hour": 9, "minute": 31}
